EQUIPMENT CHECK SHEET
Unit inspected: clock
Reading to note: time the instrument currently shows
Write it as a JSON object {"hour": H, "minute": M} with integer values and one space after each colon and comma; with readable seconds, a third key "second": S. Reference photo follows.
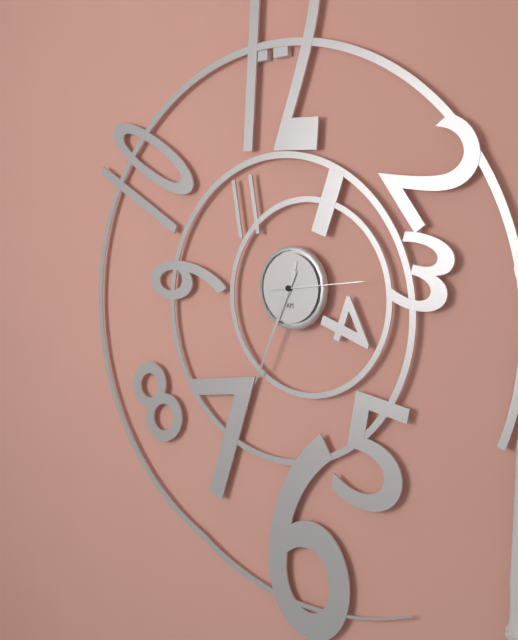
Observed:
{"hour": 12, "minute": 34, "second": 14}
